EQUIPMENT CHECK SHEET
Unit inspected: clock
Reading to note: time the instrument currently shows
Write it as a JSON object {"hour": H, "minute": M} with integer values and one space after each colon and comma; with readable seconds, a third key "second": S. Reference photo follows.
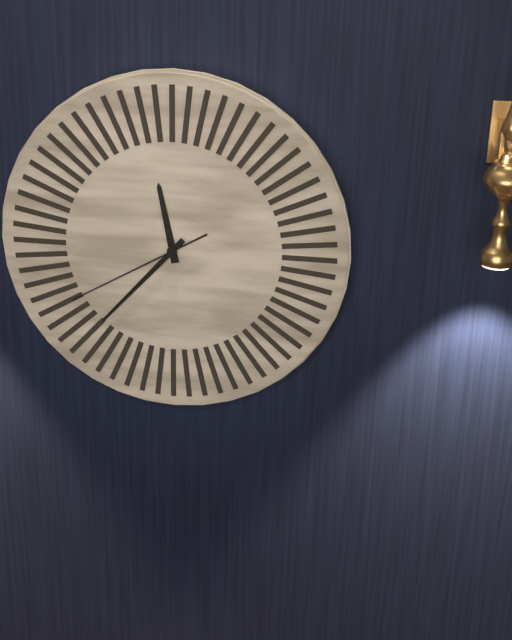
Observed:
{"hour": 11, "minute": 37, "second": 40}
